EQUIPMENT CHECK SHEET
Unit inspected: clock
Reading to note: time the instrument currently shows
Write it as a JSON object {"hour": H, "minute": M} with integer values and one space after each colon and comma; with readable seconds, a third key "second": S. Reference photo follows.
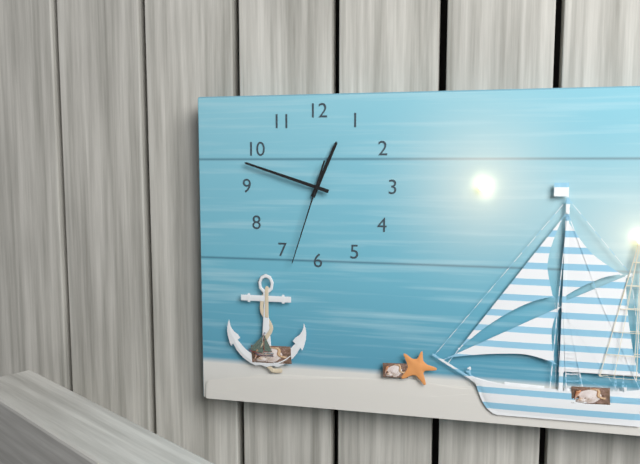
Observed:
{"hour": 12, "minute": 48, "second": 33}
